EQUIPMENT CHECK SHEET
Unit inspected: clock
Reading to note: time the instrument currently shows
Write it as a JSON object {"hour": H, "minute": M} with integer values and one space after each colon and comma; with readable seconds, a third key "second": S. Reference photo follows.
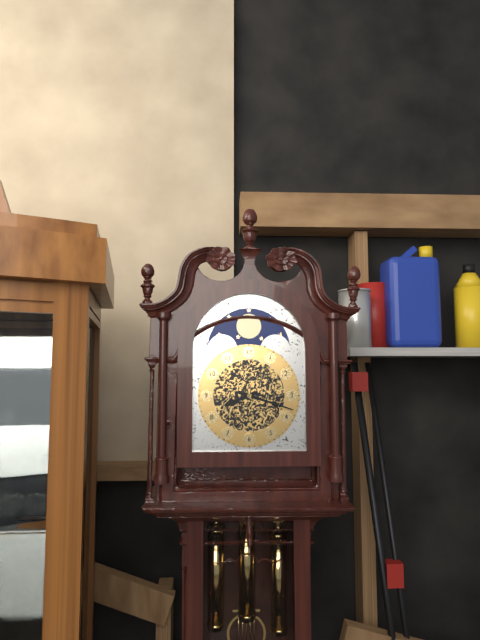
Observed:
{"hour": 8, "minute": 18}
